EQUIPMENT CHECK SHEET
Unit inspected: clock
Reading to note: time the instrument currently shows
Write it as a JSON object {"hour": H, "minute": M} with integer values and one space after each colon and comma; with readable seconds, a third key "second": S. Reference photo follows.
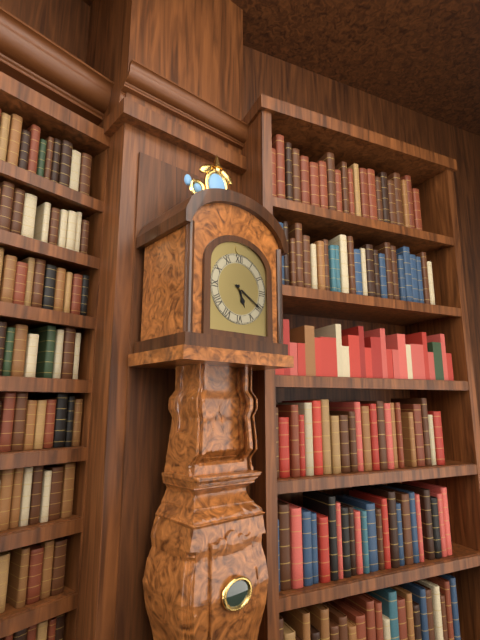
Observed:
{"hour": 5, "minute": 20}
